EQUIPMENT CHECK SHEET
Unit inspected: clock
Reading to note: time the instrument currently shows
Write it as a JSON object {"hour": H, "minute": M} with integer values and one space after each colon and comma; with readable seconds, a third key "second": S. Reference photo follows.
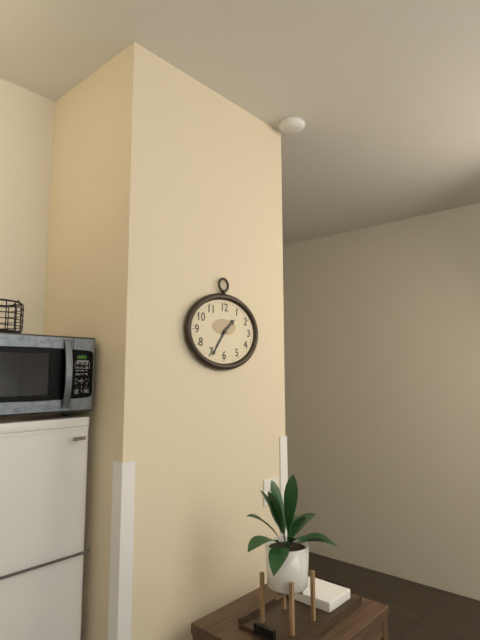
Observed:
{"hour": 1, "minute": 36}
